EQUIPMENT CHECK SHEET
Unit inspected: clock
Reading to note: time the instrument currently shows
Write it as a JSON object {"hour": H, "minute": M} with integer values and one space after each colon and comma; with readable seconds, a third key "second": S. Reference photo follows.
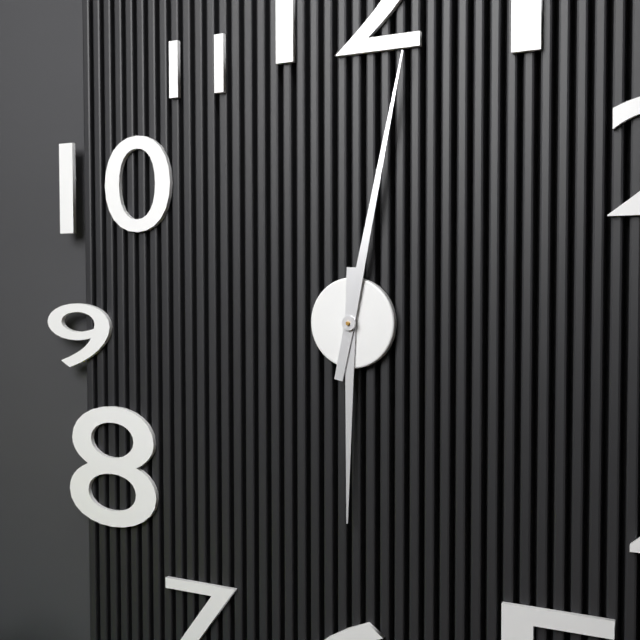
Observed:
{"hour": 6, "minute": 2}
